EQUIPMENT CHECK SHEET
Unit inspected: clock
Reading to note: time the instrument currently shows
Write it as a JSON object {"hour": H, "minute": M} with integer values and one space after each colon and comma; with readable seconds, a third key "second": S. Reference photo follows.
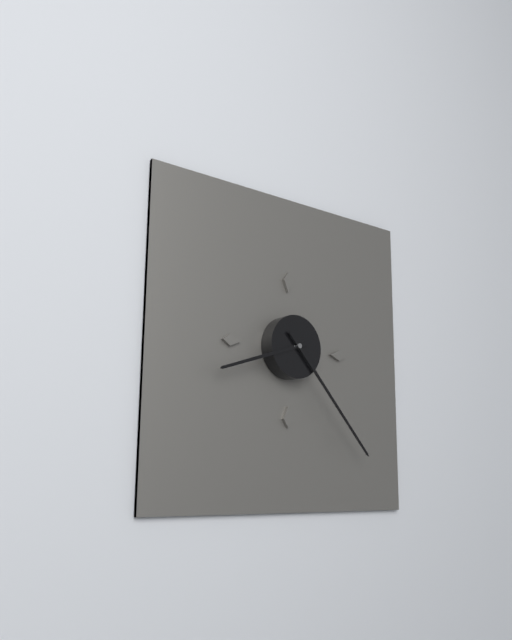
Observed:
{"hour": 8, "minute": 23}
